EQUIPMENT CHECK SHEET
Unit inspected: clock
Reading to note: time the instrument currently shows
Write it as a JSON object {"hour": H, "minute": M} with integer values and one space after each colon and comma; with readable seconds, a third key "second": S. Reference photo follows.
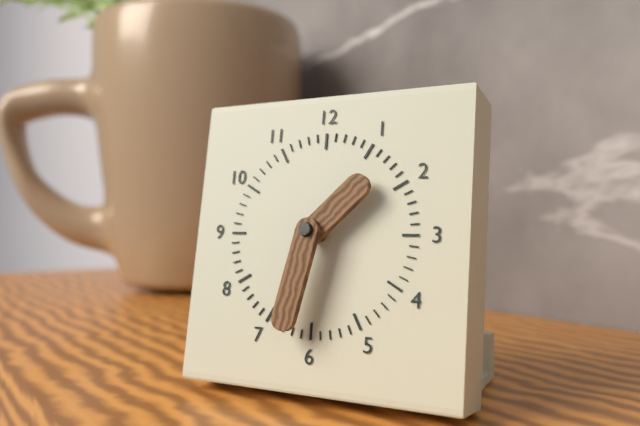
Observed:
{"hour": 1, "minute": 32}
